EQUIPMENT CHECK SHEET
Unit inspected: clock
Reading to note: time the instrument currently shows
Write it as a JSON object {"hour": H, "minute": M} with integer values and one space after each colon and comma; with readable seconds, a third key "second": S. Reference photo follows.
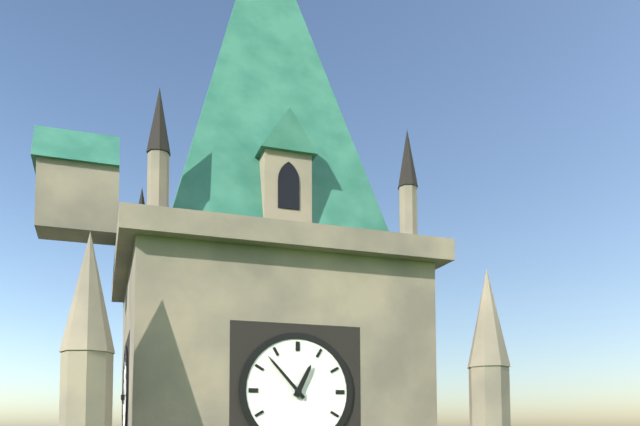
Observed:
{"hour": 12, "minute": 53}
